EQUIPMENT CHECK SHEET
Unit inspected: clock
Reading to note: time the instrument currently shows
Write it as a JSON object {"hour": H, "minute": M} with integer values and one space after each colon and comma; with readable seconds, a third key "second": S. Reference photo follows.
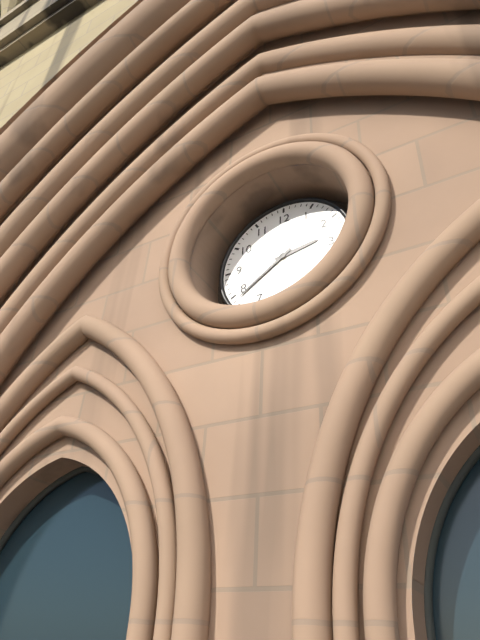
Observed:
{"hour": 2, "minute": 39}
